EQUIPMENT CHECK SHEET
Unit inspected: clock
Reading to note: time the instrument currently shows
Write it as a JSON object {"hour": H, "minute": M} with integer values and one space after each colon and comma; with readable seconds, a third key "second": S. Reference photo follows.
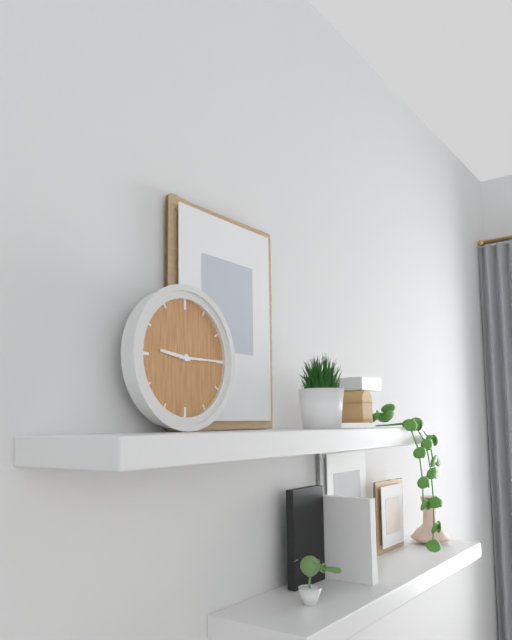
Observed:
{"hour": 9, "minute": 15}
